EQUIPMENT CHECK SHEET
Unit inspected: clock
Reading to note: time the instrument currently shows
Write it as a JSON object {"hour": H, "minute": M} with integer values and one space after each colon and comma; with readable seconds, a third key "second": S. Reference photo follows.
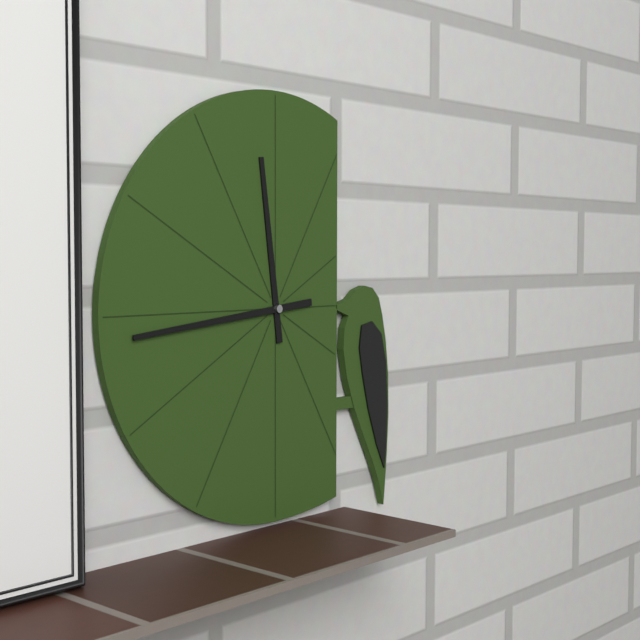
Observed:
{"hour": 11, "minute": 44}
